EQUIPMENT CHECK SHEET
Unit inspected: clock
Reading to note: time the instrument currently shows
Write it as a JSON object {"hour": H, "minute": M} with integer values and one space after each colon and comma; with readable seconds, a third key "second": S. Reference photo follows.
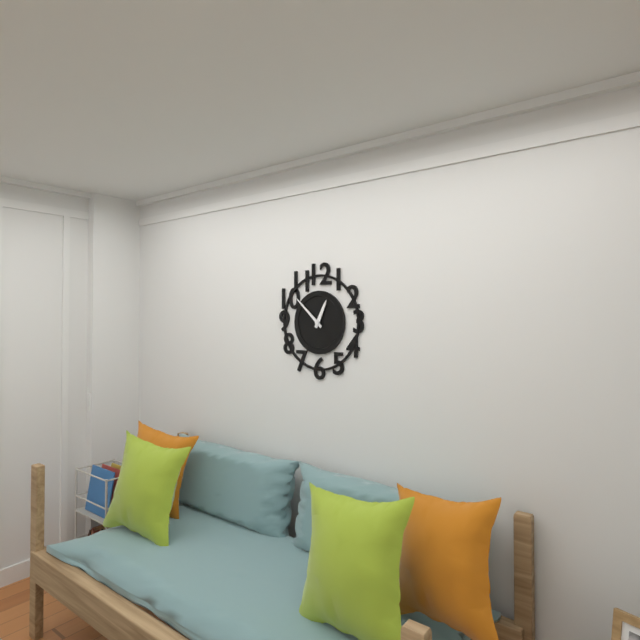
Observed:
{"hour": 12, "minute": 52}
